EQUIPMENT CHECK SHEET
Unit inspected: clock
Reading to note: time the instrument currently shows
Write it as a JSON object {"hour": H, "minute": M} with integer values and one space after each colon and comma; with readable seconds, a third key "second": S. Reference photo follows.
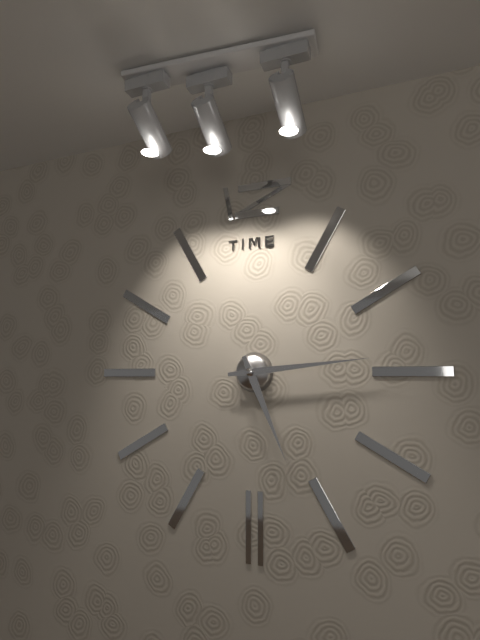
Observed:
{"hour": 5, "minute": 14}
